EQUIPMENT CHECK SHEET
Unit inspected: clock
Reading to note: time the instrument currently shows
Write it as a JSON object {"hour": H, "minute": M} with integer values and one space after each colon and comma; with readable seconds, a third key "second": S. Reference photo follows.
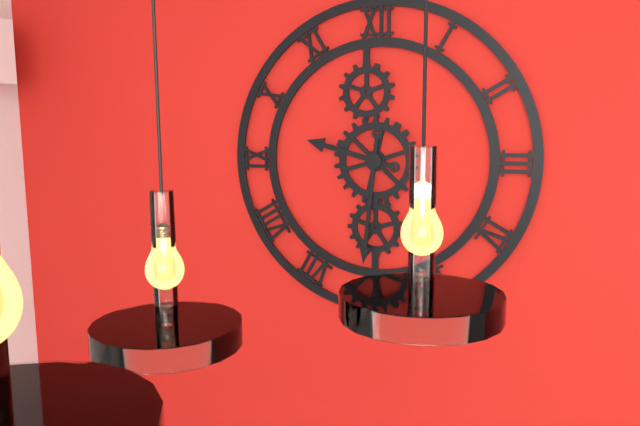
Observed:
{"hour": 9, "minute": 31}
